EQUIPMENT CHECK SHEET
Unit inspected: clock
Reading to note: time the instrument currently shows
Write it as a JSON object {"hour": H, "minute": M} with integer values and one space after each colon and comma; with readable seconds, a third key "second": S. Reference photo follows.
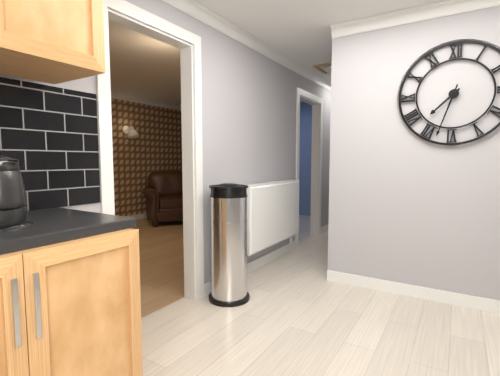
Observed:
{"hour": 7, "minute": 33}
